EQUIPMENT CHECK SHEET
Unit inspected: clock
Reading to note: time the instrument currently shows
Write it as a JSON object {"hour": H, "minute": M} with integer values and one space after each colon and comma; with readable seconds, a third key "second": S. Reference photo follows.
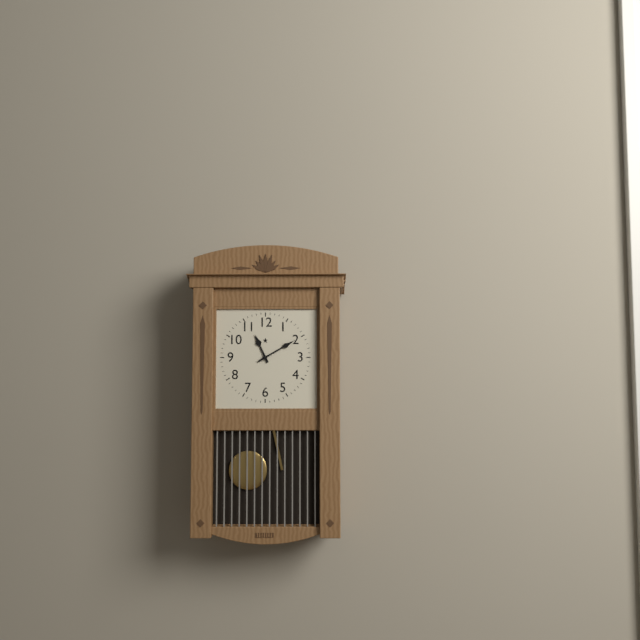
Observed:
{"hour": 11, "minute": 10}
